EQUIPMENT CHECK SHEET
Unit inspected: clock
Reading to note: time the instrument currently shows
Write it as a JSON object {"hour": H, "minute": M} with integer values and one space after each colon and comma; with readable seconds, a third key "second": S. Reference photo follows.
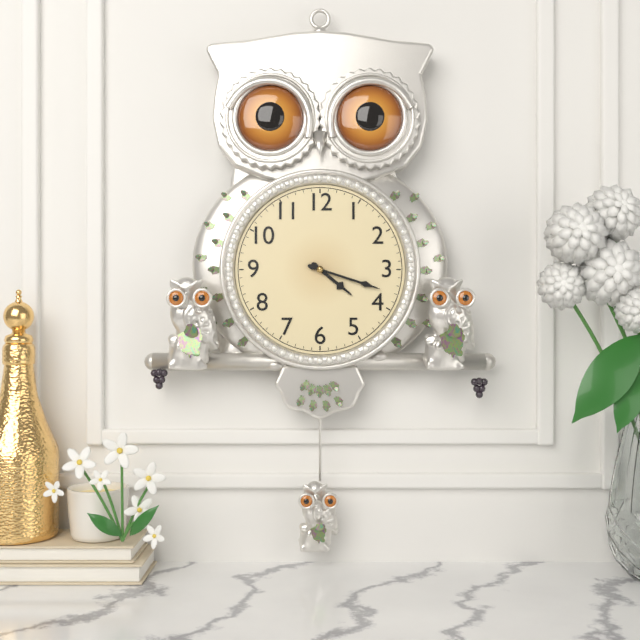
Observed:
{"hour": 4, "minute": 18}
